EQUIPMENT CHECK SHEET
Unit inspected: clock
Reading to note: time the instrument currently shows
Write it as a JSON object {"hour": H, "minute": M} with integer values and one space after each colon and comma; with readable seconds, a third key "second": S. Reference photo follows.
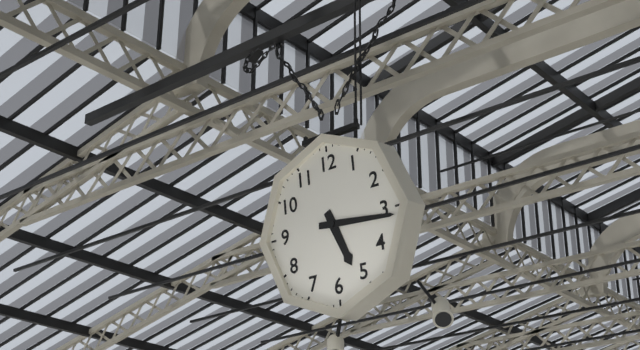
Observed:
{"hour": 5, "minute": 16}
